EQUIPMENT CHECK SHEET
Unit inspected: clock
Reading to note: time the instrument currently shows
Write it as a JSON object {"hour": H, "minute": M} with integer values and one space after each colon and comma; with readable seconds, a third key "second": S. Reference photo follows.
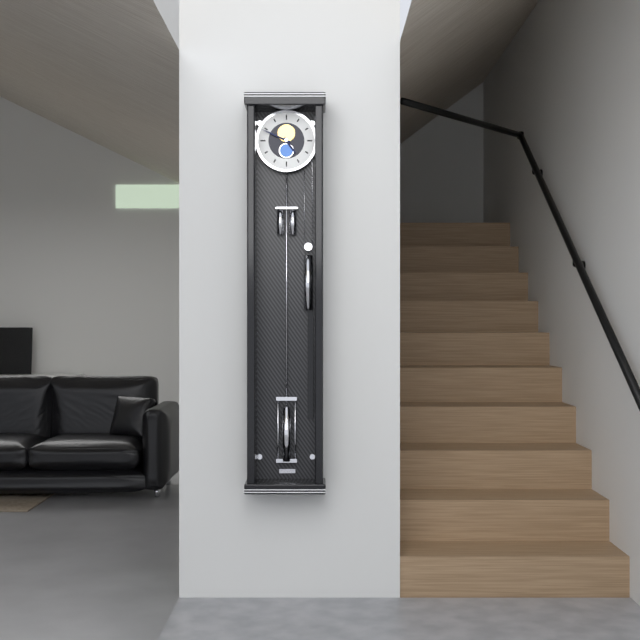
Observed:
{"hour": 4, "minute": 49}
